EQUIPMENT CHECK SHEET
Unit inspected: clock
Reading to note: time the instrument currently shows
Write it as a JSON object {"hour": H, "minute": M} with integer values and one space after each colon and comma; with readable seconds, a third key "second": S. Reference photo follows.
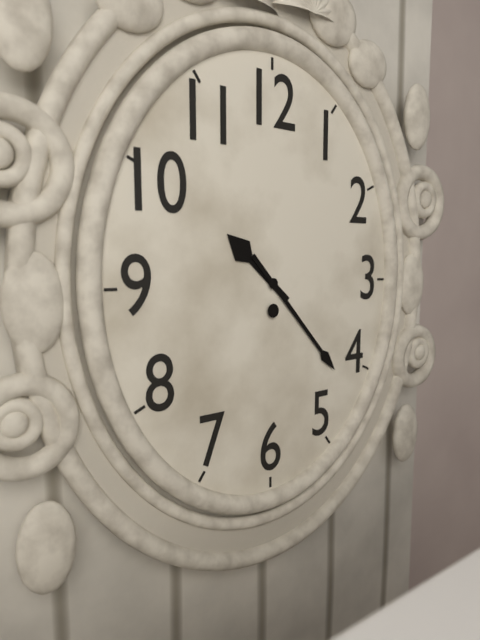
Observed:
{"hour": 10, "minute": 23}
